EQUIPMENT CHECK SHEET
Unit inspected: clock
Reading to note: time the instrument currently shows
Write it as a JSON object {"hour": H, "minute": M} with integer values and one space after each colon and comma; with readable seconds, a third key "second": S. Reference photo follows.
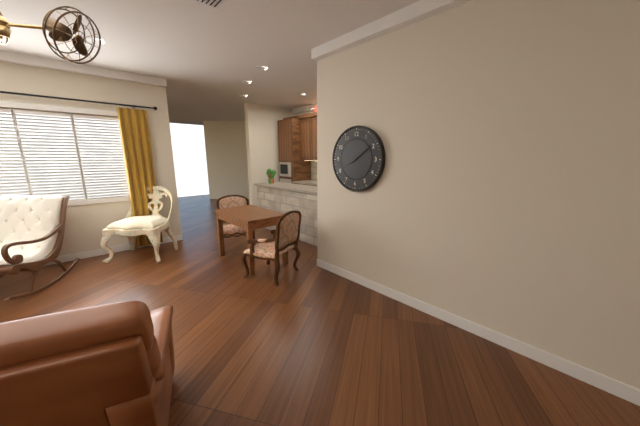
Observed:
{"hour": 8, "minute": 9}
